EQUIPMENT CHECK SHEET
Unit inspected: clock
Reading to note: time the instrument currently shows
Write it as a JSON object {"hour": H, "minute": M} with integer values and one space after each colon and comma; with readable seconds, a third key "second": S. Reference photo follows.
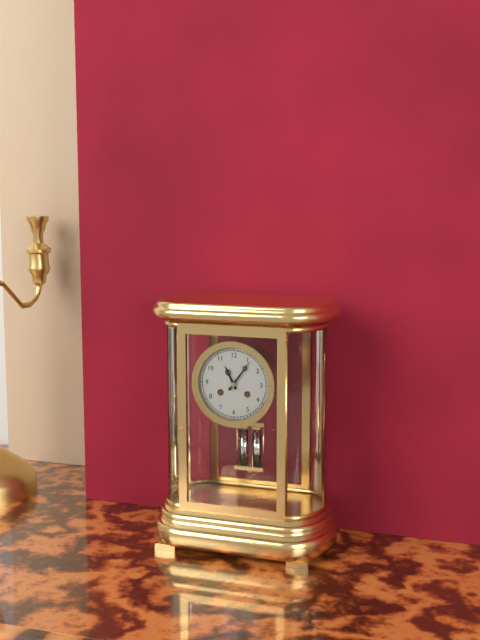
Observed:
{"hour": 11, "minute": 6}
